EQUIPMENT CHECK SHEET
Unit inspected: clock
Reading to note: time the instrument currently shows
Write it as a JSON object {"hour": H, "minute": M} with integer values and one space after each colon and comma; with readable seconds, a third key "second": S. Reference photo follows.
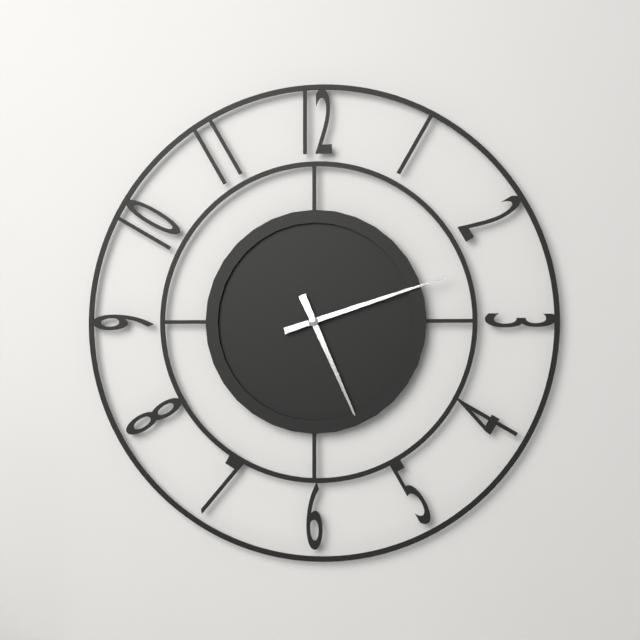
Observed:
{"hour": 5, "minute": 12}
